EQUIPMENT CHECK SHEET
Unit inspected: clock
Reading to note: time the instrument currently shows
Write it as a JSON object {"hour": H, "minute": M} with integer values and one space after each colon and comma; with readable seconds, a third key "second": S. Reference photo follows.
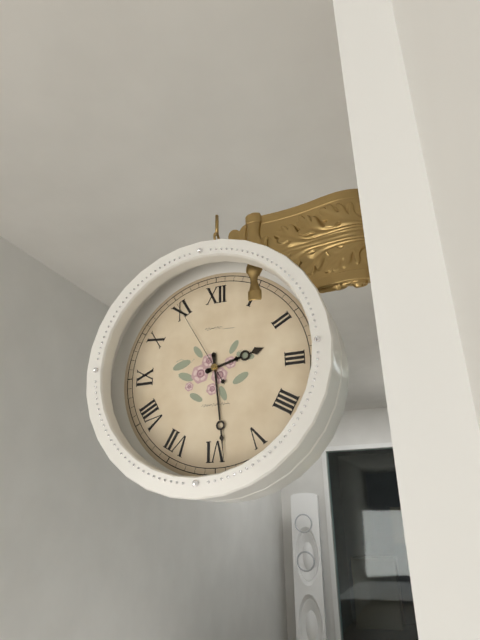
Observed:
{"hour": 2, "minute": 29, "second": 55}
